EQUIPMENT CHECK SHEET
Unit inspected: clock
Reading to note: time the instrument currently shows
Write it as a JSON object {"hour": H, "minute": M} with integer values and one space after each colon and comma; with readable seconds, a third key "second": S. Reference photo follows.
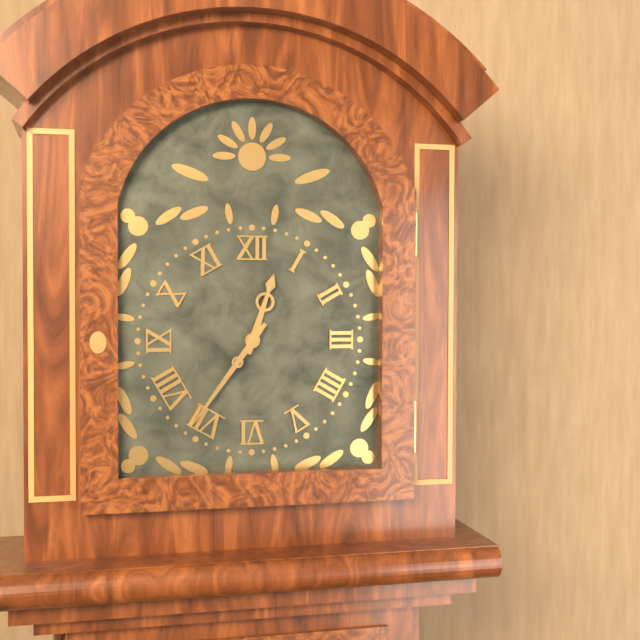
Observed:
{"hour": 12, "minute": 36}
